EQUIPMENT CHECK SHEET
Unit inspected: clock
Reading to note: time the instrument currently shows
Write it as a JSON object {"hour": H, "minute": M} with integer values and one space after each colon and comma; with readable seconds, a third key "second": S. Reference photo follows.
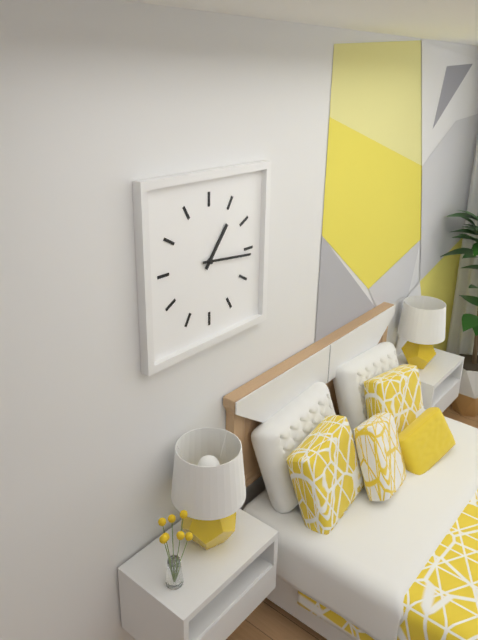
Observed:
{"hour": 1, "minute": 16}
